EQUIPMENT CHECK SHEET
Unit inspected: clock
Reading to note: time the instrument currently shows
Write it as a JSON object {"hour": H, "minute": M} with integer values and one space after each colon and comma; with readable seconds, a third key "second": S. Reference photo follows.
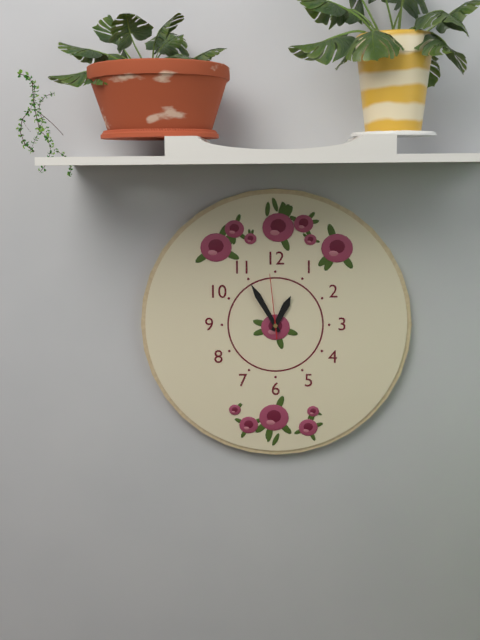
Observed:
{"hour": 12, "minute": 55, "second": 59}
